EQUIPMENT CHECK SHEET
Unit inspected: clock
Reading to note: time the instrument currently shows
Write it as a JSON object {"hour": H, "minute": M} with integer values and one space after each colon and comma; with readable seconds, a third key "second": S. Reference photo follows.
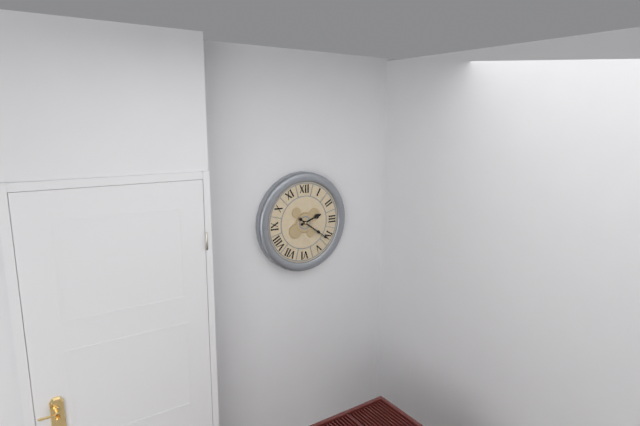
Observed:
{"hour": 2, "minute": 21}
